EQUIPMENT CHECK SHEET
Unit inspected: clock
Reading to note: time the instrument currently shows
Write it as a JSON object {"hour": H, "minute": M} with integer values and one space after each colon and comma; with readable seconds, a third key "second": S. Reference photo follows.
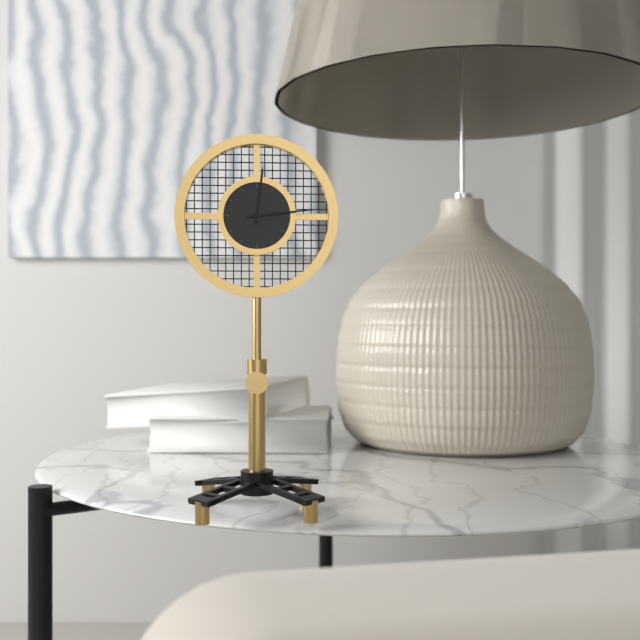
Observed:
{"hour": 12, "minute": 14}
